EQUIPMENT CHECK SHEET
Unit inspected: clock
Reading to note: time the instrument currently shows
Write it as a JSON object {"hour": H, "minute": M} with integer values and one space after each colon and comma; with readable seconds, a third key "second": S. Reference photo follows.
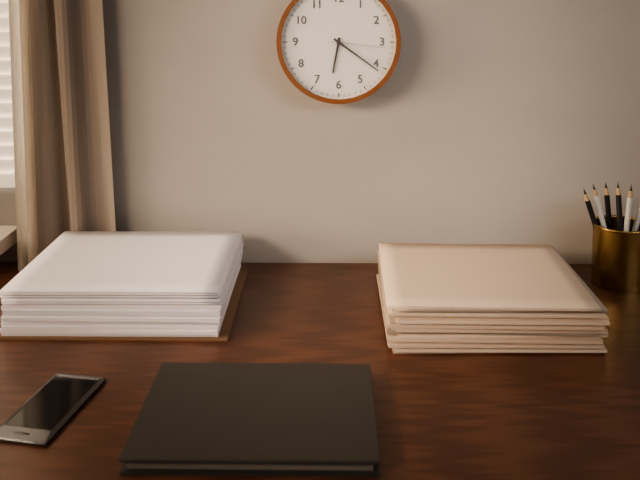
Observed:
{"hour": 6, "minute": 21, "second": 16}
